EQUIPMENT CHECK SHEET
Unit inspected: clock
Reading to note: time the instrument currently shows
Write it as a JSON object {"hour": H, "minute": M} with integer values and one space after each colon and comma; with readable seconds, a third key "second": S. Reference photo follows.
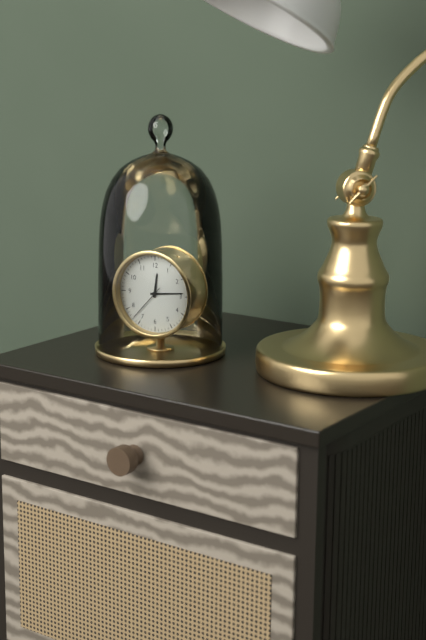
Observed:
{"hour": 12, "minute": 14}
